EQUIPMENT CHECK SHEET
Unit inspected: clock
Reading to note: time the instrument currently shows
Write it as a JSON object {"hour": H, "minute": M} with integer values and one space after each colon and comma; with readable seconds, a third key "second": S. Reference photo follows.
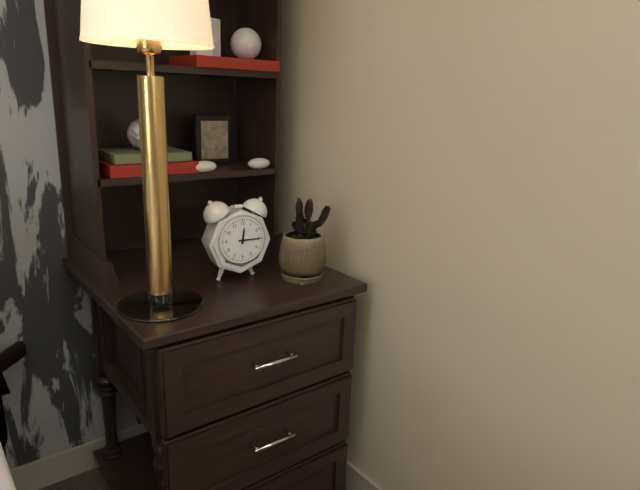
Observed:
{"hour": 12, "minute": 15}
